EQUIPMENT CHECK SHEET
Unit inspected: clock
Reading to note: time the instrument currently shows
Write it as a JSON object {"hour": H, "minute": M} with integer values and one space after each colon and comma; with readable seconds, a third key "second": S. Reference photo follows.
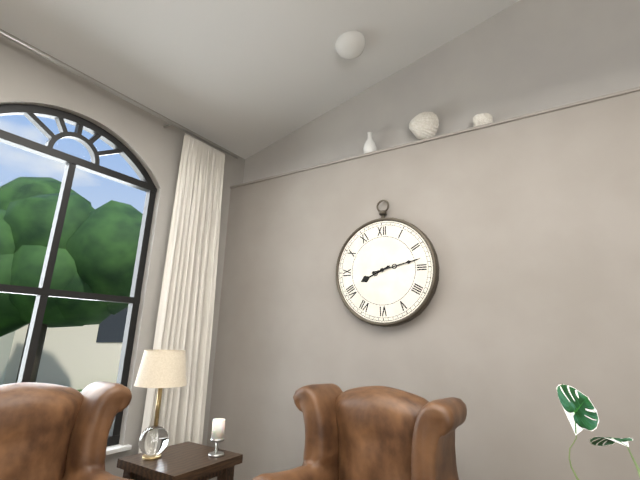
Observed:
{"hour": 8, "minute": 13}
